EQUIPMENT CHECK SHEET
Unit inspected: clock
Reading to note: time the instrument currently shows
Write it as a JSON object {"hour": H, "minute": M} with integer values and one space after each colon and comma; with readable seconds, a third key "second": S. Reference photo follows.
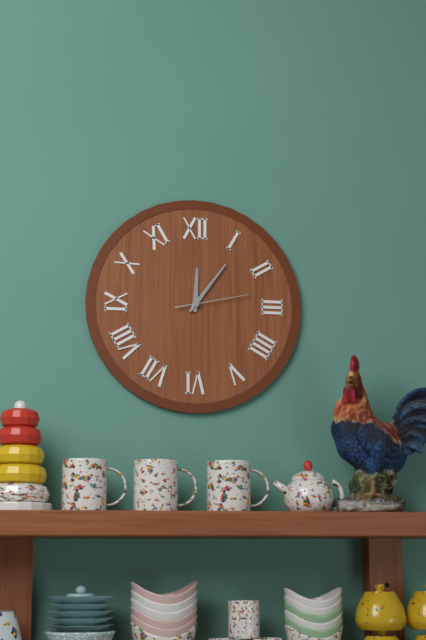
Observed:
{"hour": 12, "minute": 6, "second": 13}
